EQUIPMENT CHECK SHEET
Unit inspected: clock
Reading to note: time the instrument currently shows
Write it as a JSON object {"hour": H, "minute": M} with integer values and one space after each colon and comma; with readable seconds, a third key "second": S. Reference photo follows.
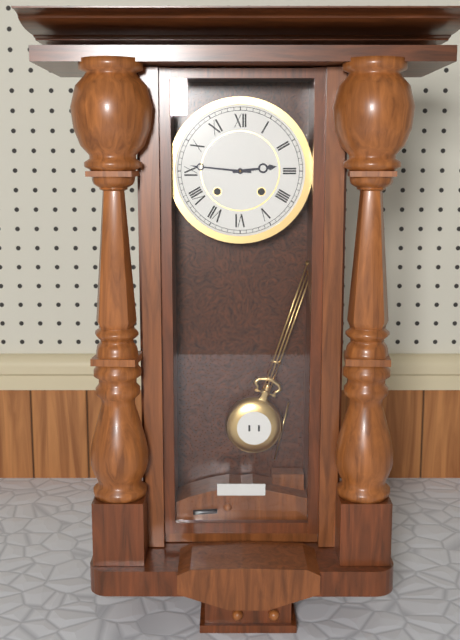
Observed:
{"hour": 2, "minute": 46}
